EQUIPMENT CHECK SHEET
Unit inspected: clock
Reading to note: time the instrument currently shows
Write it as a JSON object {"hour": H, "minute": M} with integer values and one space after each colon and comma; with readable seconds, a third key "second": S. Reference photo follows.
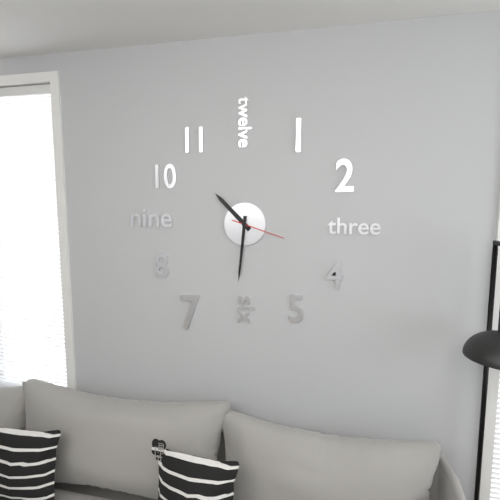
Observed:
{"hour": 10, "minute": 31, "second": 18}
